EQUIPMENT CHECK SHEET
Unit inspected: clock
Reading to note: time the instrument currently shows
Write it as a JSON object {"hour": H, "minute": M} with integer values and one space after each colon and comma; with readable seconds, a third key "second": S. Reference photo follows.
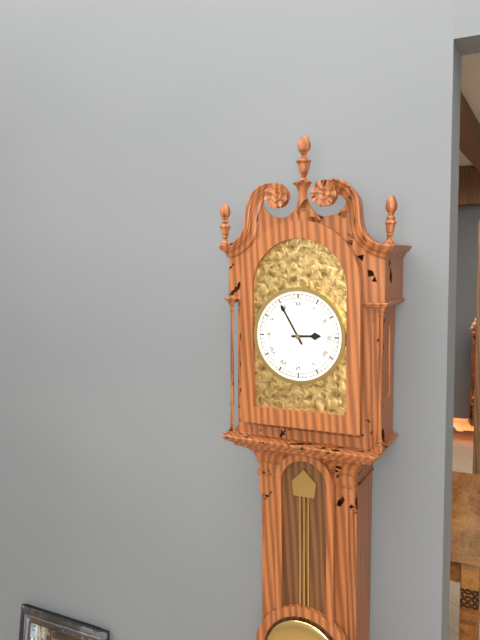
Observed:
{"hour": 2, "minute": 55}
